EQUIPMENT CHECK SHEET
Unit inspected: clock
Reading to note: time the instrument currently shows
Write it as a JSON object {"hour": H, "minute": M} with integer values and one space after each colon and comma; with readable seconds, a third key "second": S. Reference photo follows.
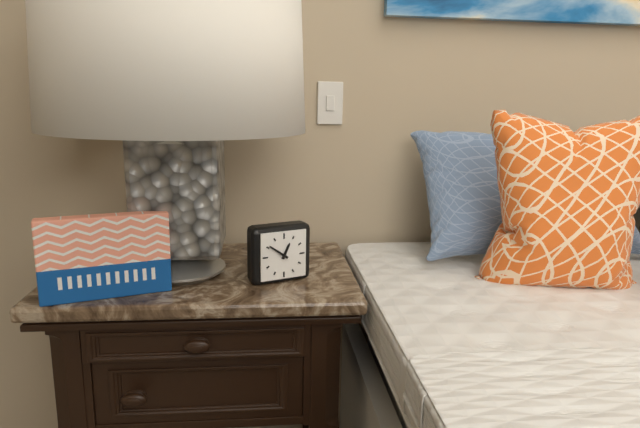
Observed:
{"hour": 12, "minute": 51}
